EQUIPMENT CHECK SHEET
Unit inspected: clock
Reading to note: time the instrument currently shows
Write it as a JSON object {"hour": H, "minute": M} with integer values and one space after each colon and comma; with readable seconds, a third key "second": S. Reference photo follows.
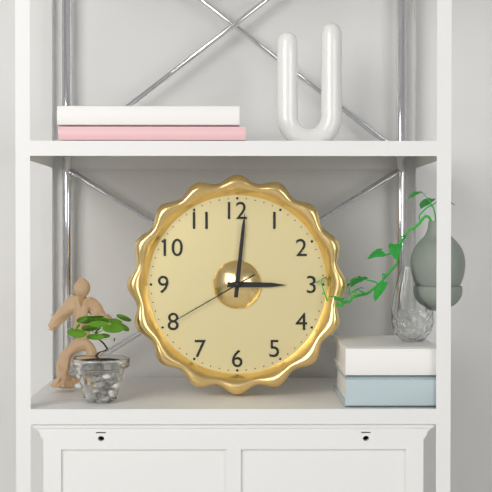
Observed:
{"hour": 3, "minute": 1, "second": 40}
